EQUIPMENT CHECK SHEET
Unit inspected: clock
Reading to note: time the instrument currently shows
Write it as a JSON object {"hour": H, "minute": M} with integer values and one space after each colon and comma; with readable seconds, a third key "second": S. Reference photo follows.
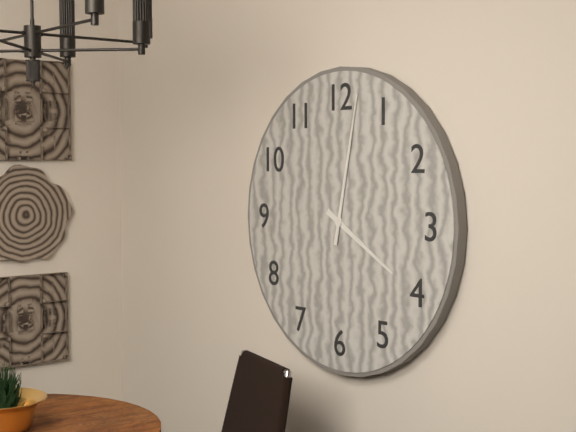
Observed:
{"hour": 4, "minute": 2}
